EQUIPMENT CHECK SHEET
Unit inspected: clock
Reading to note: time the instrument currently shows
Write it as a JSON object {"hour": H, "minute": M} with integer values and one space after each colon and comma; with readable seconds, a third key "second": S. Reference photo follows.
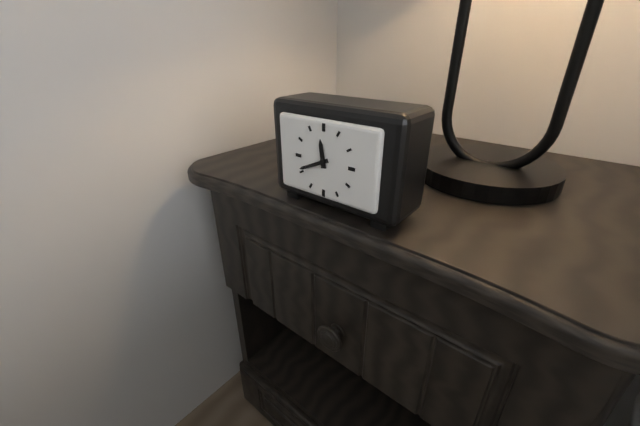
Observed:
{"hour": 11, "minute": 41}
